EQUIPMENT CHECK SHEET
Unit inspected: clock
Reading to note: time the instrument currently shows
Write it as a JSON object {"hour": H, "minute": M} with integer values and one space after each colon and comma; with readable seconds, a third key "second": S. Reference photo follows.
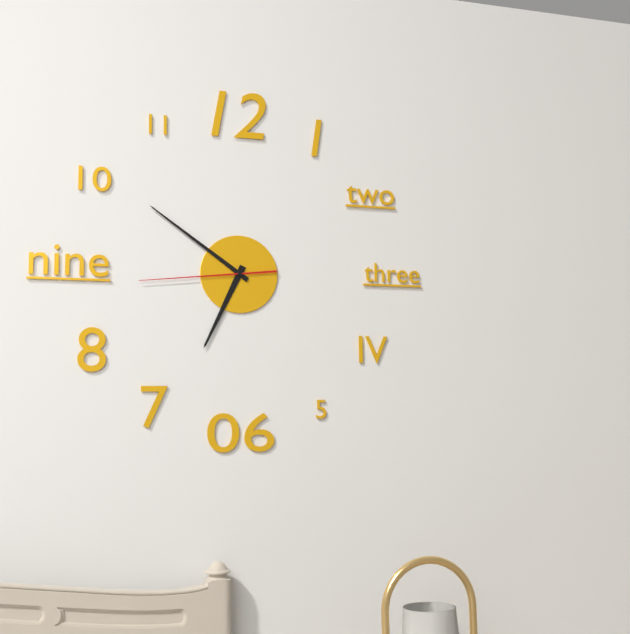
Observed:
{"hour": 6, "minute": 51, "second": 44}
